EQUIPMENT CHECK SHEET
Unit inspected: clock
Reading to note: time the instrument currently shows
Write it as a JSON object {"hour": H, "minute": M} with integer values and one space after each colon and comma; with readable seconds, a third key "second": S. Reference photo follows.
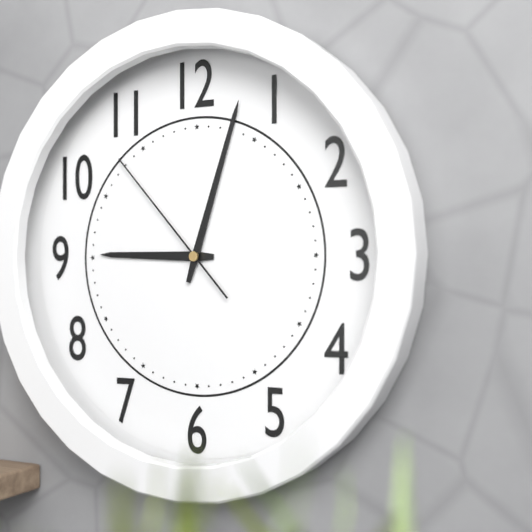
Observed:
{"hour": 9, "minute": 3, "second": 53}
